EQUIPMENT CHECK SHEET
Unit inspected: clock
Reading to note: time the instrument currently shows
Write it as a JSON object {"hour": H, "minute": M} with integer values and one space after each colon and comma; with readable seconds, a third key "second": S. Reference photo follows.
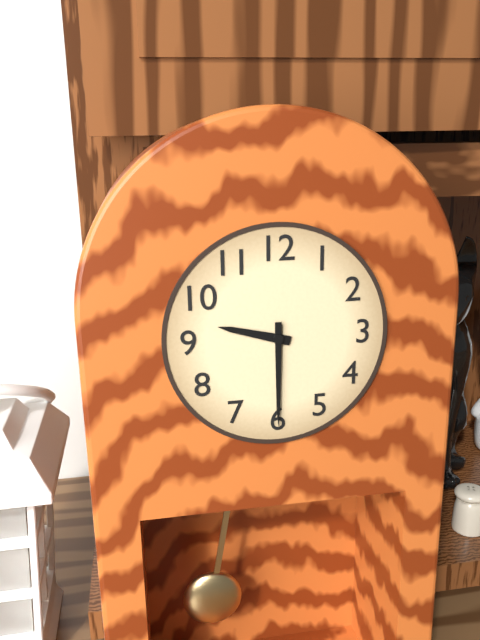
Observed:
{"hour": 9, "minute": 30}
